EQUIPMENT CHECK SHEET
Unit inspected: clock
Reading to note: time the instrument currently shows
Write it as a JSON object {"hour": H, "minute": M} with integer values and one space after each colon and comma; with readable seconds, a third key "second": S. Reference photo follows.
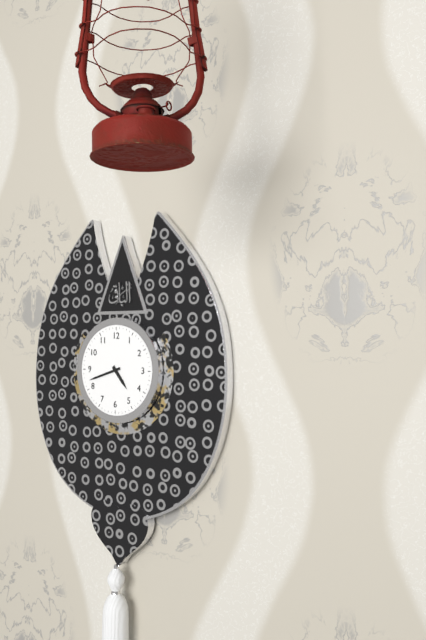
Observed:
{"hour": 4, "minute": 42}
